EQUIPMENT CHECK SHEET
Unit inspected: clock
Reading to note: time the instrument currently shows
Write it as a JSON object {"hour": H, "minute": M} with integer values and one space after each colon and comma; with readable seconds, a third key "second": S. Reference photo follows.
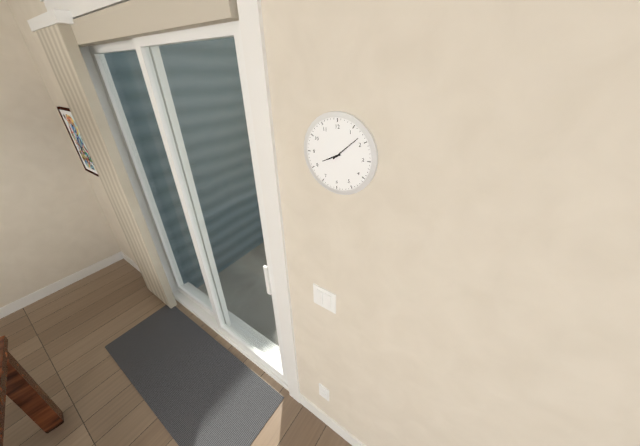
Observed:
{"hour": 8, "minute": 8}
